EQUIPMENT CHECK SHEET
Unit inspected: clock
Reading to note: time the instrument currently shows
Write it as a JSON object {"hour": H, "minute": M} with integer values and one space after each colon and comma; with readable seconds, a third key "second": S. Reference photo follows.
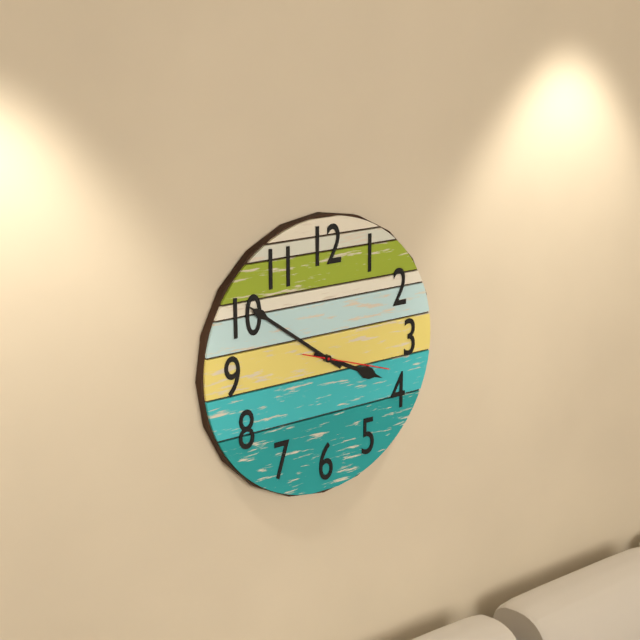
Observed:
{"hour": 3, "minute": 51, "second": 18}
